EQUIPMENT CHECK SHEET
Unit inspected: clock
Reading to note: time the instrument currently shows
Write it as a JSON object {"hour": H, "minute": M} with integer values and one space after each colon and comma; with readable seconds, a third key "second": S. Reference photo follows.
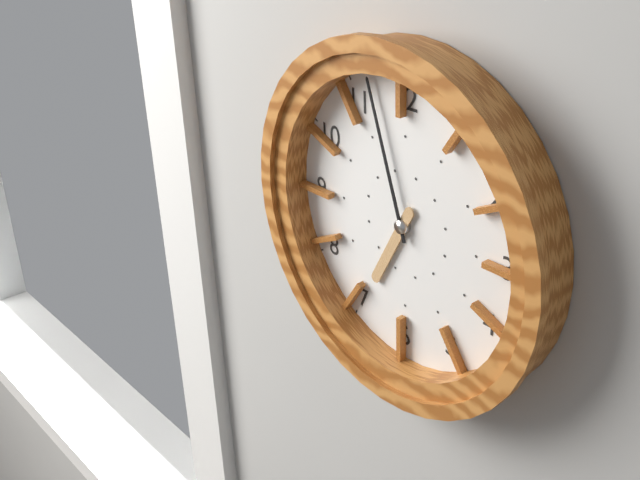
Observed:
{"hour": 6, "minute": 57}
